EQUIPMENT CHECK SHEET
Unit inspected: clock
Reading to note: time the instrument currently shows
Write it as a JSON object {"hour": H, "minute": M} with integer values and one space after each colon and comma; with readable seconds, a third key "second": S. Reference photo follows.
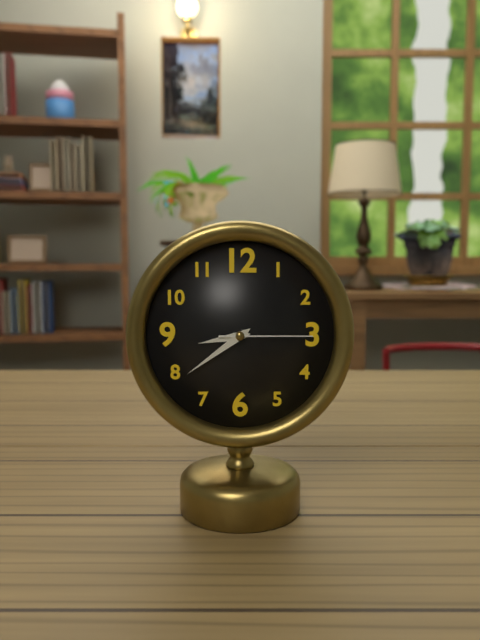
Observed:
{"hour": 8, "minute": 39, "second": 15}
